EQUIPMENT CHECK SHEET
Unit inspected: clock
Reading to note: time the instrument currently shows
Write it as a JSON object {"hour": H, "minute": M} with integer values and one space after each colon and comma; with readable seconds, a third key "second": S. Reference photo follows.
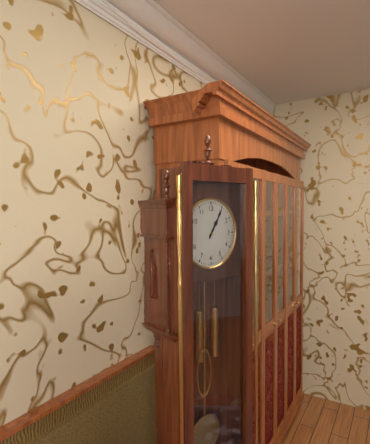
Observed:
{"hour": 1, "minute": 5}
